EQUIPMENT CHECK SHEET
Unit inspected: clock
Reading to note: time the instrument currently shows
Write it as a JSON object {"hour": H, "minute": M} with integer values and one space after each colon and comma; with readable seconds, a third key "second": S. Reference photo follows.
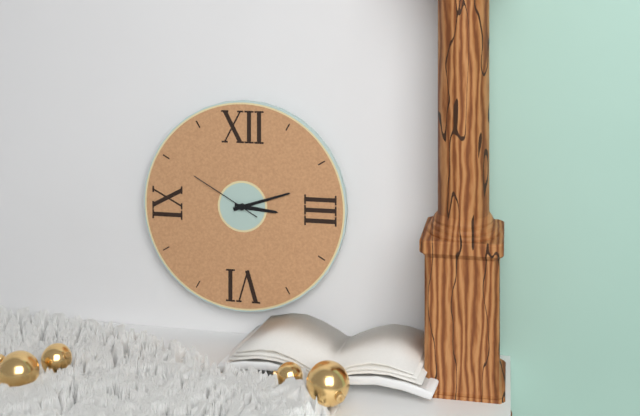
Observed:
{"hour": 3, "minute": 12, "second": 50}
